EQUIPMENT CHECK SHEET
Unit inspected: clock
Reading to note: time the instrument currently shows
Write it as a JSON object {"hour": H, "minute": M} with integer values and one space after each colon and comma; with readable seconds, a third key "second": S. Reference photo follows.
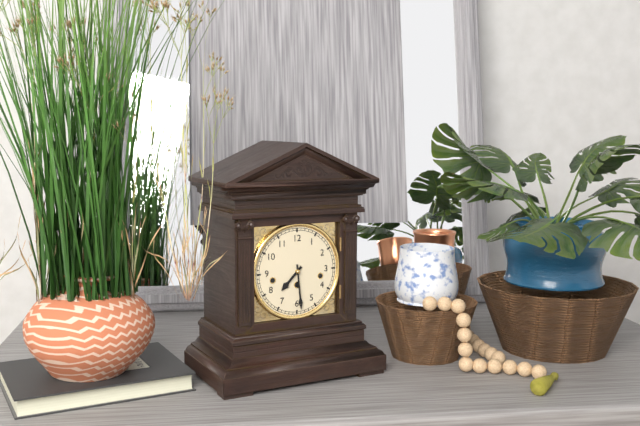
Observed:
{"hour": 7, "minute": 29}
